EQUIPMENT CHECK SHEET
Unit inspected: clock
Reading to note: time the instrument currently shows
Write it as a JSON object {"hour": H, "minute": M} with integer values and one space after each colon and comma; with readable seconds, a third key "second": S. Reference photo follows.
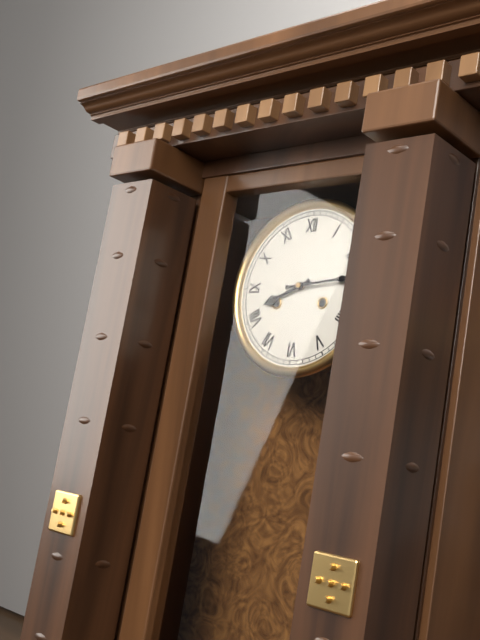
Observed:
{"hour": 8, "minute": 14}
